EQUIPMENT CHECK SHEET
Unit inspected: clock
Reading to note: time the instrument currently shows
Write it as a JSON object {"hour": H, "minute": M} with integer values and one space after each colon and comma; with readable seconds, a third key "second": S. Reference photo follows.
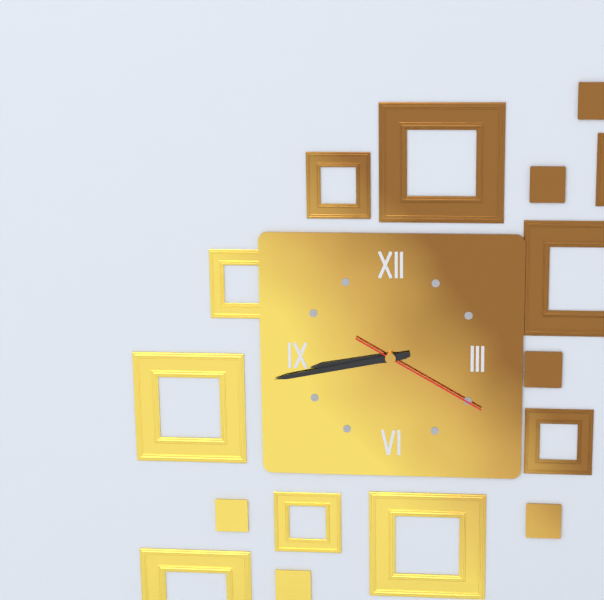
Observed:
{"hour": 8, "minute": 43, "second": 20}
